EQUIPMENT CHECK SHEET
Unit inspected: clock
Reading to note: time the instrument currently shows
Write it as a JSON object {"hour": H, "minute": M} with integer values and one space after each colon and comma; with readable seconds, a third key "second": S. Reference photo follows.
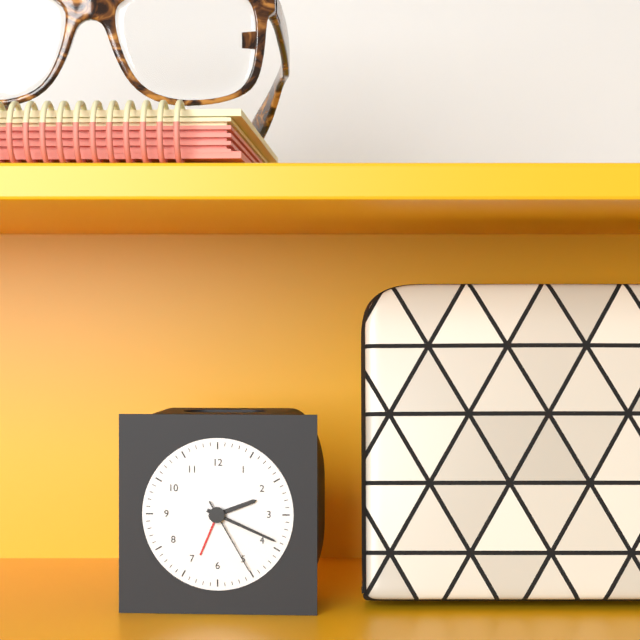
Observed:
{"hour": 2, "minute": 19, "second": 25}
